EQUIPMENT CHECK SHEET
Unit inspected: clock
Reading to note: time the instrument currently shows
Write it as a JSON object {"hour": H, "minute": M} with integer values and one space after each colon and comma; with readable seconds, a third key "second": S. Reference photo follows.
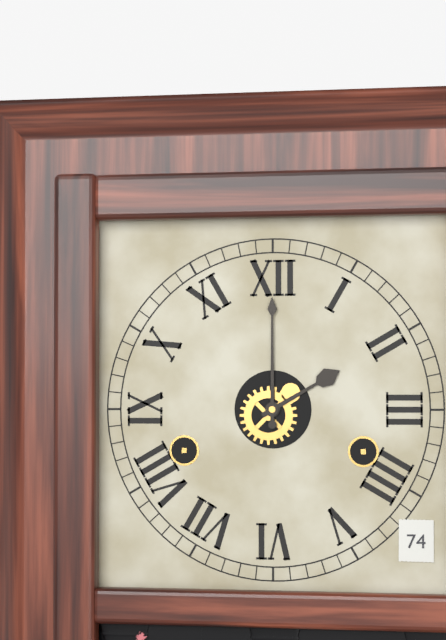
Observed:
{"hour": 2, "minute": 0}
